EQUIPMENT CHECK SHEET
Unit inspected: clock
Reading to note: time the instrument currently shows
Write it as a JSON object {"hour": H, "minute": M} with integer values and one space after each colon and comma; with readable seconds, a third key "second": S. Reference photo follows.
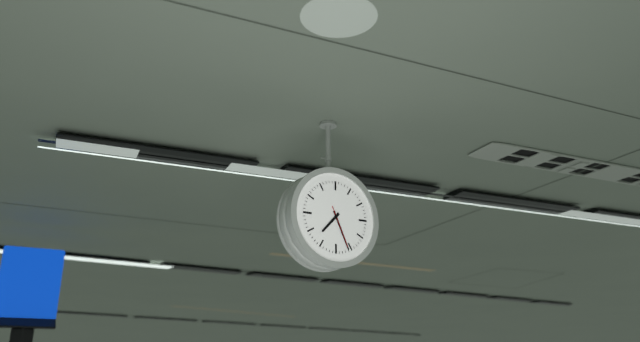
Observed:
{"hour": 7, "minute": 26}
